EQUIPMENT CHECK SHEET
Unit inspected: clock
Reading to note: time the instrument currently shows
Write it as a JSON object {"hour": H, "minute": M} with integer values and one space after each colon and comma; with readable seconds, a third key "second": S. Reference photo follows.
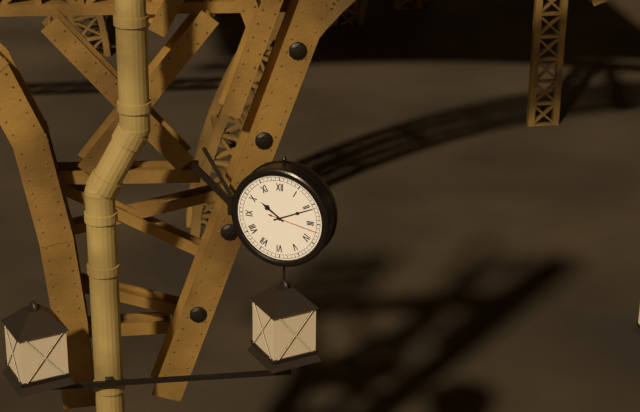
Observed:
{"hour": 10, "minute": 11}
